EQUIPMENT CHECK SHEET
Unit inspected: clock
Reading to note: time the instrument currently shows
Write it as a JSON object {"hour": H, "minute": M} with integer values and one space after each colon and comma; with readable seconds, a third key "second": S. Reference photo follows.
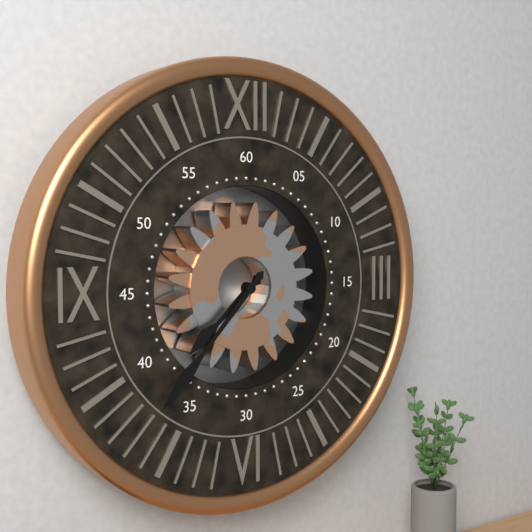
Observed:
{"hour": 7, "minute": 37}
